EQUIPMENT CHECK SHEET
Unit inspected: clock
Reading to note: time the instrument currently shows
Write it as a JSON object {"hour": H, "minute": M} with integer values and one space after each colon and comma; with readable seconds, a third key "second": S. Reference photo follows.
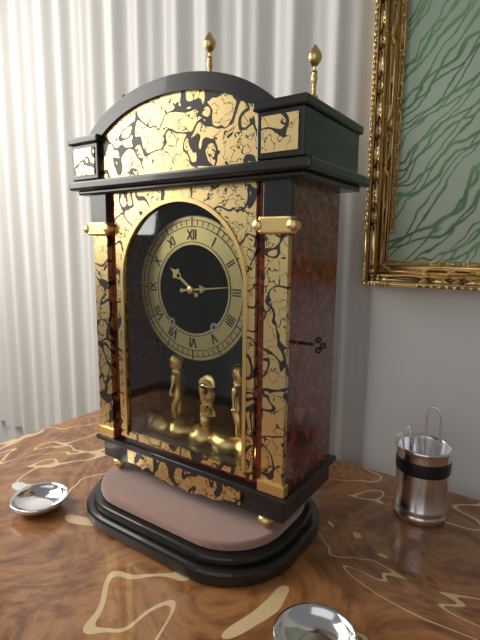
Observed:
{"hour": 10, "minute": 14}
